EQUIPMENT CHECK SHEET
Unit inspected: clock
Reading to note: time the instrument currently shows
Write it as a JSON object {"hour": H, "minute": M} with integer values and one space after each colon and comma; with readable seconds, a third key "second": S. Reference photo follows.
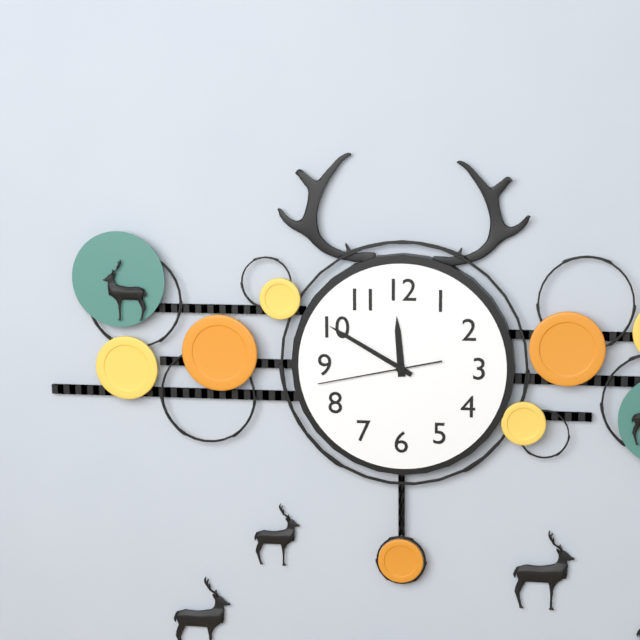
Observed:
{"hour": 11, "minute": 50, "second": 43}
